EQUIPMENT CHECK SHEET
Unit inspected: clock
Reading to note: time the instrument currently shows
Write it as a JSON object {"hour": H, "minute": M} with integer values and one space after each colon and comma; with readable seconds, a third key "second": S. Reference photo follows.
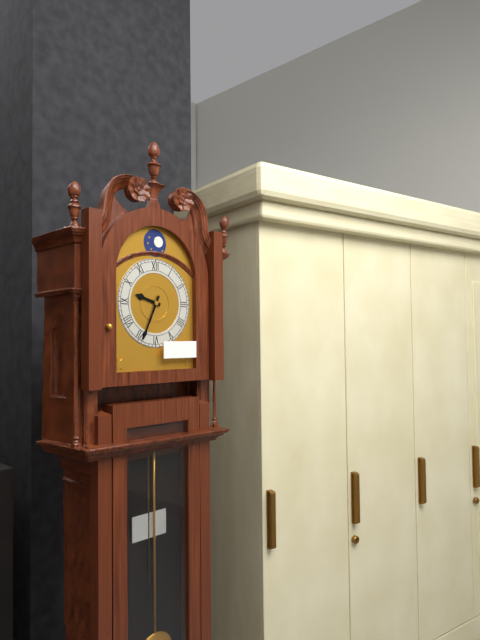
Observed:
{"hour": 9, "minute": 34}
